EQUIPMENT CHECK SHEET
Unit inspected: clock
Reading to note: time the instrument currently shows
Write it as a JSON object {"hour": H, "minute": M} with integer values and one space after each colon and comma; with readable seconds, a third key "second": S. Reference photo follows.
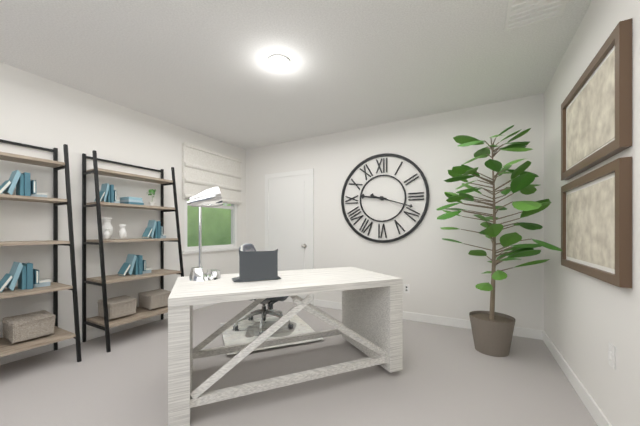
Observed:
{"hour": 9, "minute": 18}
